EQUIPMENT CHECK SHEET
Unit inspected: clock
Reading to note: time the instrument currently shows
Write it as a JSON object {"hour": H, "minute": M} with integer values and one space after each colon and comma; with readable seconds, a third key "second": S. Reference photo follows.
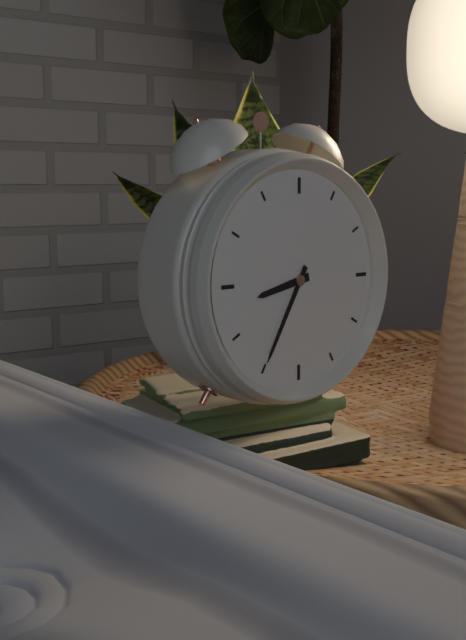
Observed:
{"hour": 8, "minute": 35}
